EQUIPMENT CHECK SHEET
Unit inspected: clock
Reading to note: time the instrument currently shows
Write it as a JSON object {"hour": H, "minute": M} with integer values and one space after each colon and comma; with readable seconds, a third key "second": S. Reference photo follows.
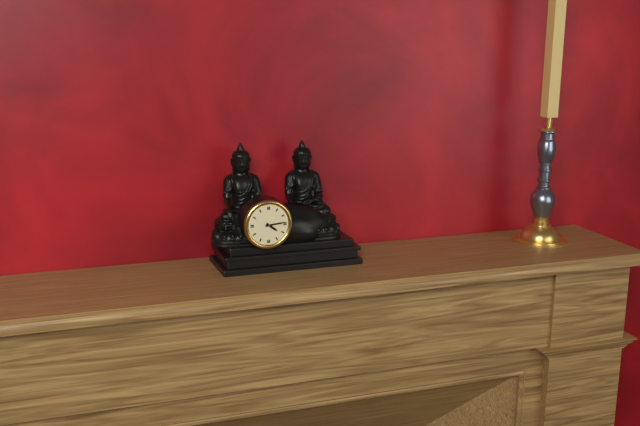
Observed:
{"hour": 4, "minute": 14}
